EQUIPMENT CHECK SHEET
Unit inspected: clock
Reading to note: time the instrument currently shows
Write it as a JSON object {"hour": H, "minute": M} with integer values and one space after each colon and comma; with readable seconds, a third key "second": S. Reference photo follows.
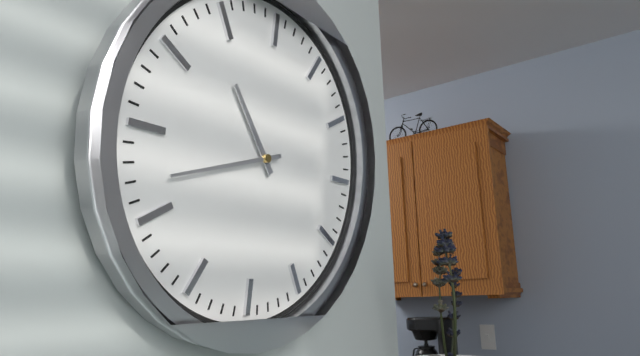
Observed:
{"hour": 10, "minute": 42}
